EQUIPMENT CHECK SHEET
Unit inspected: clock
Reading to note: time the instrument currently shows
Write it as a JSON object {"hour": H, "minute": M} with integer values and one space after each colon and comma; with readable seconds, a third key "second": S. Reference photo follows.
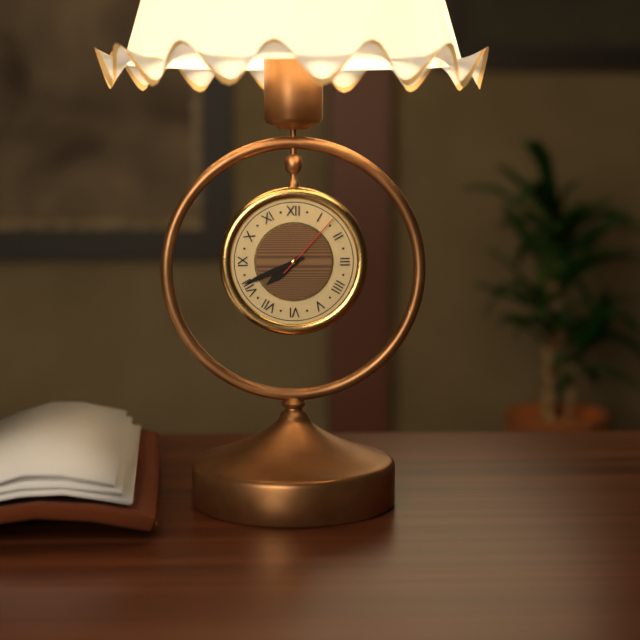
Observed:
{"hour": 7, "minute": 41, "second": 7}
